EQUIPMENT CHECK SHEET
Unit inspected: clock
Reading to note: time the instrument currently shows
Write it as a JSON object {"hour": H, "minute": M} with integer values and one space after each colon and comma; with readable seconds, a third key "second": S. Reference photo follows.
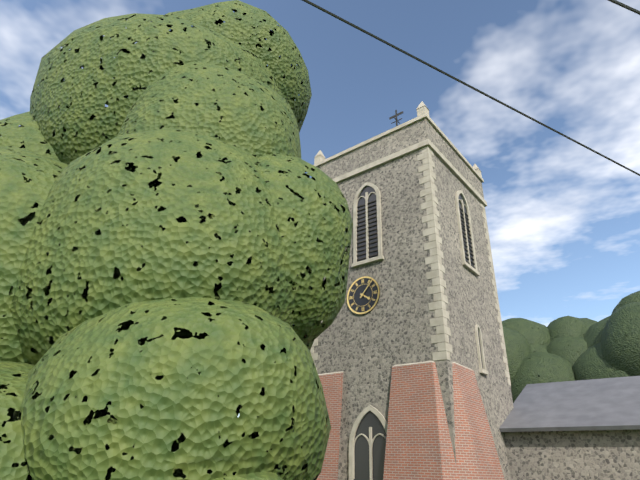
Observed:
{"hour": 4, "minute": 7}
